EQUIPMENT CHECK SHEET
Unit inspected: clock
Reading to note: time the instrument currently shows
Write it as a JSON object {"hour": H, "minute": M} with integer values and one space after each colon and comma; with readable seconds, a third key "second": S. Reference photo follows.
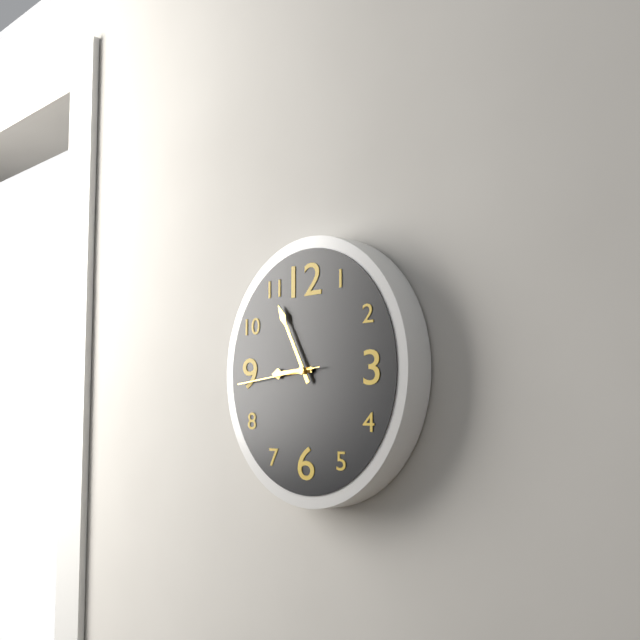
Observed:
{"hour": 8, "minute": 55, "second": 44}
